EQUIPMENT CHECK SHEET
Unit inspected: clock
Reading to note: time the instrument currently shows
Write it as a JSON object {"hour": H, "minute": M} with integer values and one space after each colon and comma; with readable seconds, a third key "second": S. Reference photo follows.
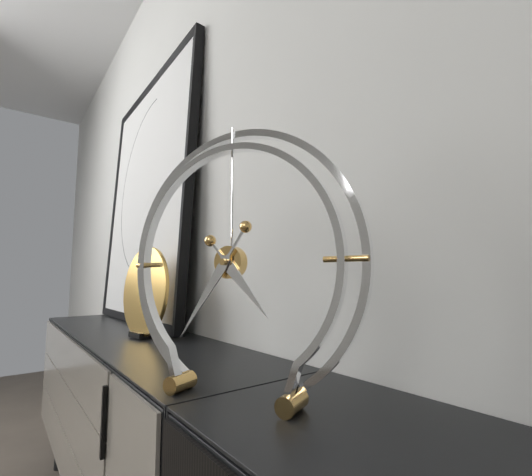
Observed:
{"hour": 4, "minute": 36}
